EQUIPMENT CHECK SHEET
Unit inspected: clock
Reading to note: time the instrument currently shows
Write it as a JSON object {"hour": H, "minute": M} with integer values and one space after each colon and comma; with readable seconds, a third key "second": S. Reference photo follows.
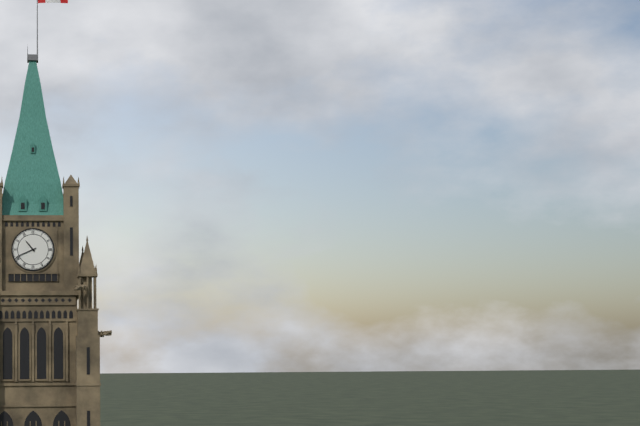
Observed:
{"hour": 10, "minute": 41}
